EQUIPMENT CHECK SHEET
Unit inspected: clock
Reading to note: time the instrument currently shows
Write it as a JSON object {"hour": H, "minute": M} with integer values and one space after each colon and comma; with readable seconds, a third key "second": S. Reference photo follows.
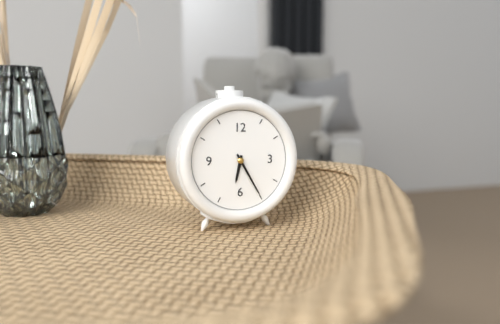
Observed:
{"hour": 6, "minute": 25}
